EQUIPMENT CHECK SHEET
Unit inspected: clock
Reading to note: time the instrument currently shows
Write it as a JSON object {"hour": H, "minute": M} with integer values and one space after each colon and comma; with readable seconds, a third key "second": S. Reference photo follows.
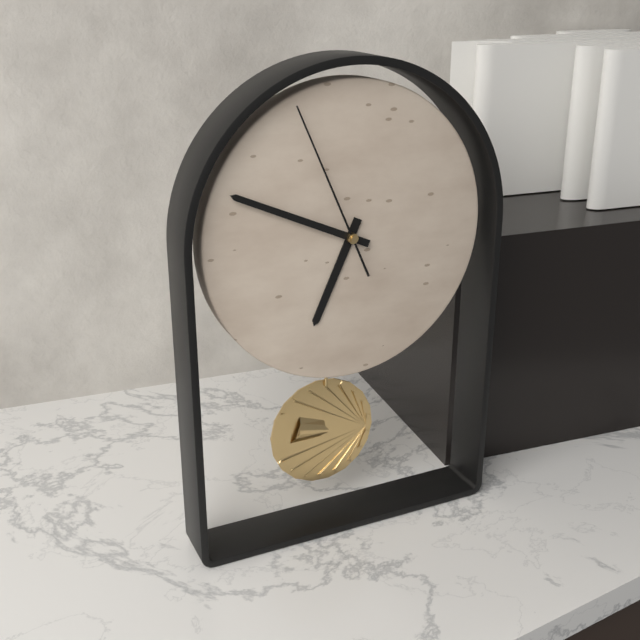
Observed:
{"hour": 6, "minute": 49, "second": 56}
